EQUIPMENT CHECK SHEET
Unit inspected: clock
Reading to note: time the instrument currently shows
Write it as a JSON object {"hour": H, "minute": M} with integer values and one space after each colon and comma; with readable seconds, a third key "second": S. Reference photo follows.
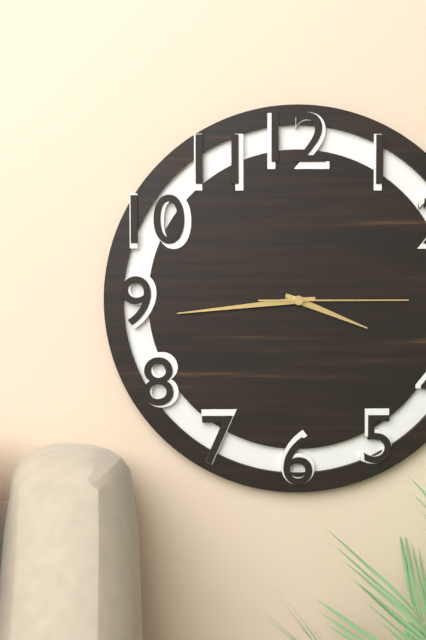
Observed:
{"hour": 3, "minute": 44, "second": 15}
